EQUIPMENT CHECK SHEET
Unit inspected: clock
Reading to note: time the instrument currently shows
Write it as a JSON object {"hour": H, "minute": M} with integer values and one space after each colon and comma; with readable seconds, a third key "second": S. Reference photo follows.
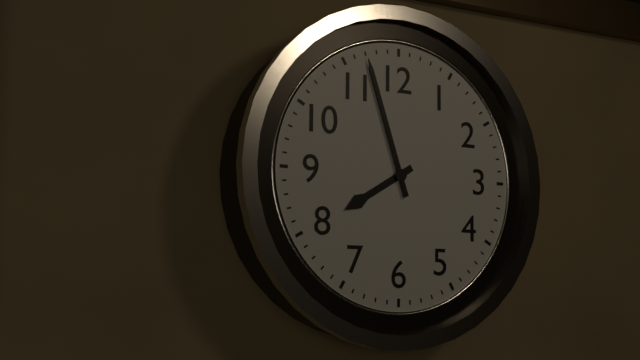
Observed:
{"hour": 7, "minute": 57}
